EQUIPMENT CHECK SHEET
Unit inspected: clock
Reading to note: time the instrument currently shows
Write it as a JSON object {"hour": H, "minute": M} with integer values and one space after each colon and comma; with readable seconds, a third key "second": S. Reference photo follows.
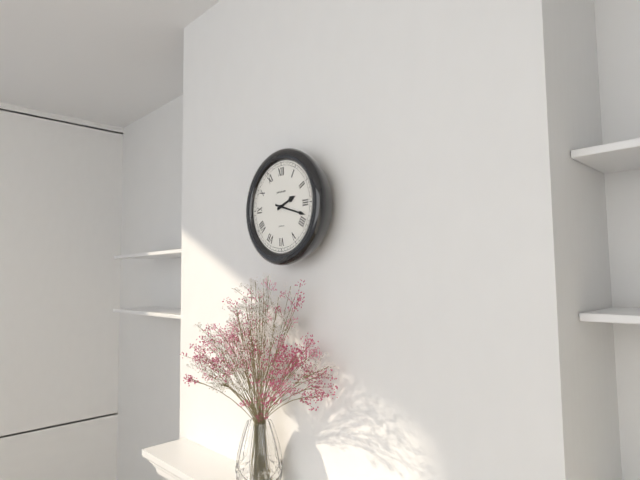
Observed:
{"hour": 2, "minute": 18}
